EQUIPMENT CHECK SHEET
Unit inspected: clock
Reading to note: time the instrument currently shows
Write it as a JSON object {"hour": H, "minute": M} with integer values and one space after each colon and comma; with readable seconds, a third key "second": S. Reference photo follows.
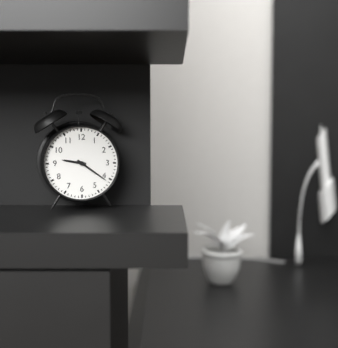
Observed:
{"hour": 9, "minute": 21}
